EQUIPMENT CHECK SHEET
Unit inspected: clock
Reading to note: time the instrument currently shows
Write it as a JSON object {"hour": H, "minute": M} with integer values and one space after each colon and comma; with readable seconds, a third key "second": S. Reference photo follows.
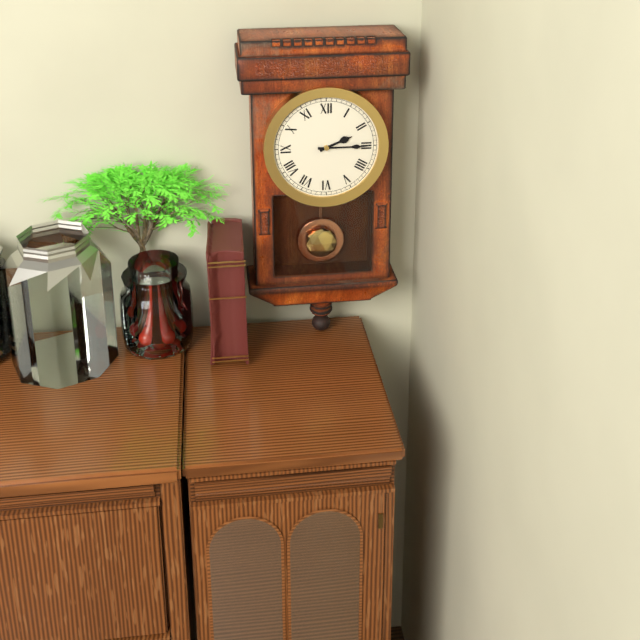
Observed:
{"hour": 2, "minute": 15}
